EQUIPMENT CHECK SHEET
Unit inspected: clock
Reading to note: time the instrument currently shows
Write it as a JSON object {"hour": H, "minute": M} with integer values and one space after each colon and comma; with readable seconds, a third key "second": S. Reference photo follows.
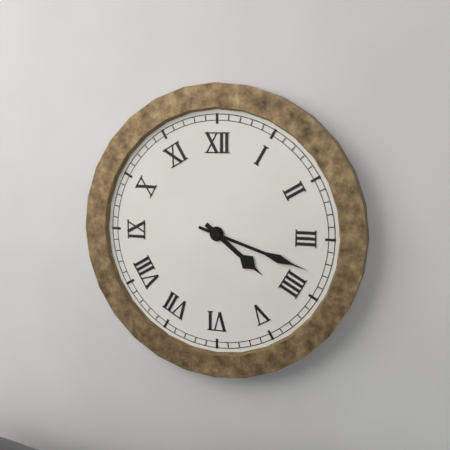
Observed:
{"hour": 4, "minute": 18}
